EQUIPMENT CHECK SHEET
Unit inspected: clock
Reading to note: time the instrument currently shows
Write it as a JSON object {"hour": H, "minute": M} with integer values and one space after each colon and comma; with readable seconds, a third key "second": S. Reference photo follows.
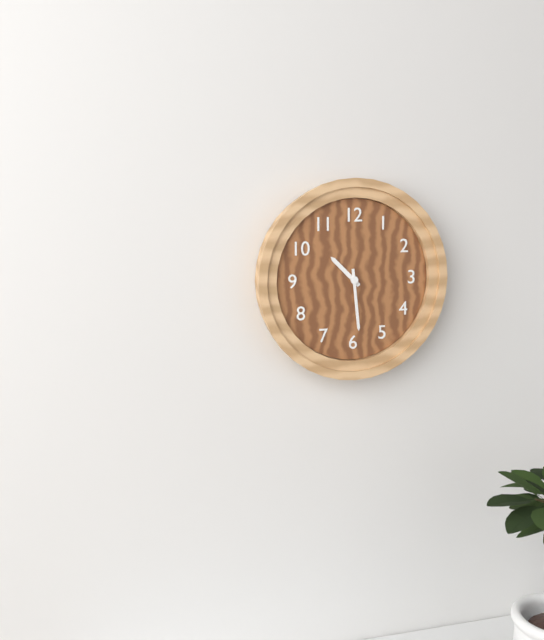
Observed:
{"hour": 10, "minute": 29}
